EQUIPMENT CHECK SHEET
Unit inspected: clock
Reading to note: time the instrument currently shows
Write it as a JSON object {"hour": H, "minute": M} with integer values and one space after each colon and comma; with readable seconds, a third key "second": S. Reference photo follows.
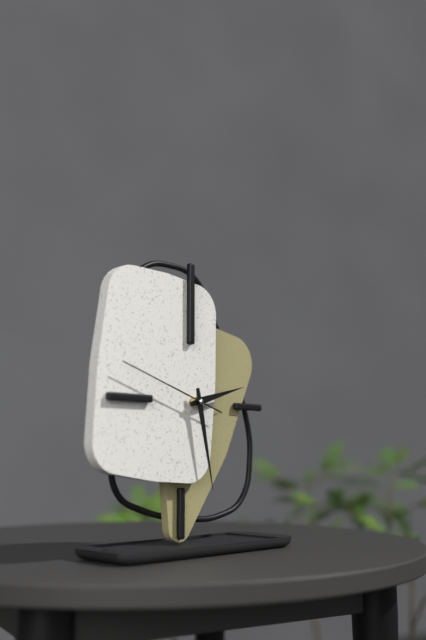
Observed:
{"hour": 2, "minute": 28, "second": 48}
